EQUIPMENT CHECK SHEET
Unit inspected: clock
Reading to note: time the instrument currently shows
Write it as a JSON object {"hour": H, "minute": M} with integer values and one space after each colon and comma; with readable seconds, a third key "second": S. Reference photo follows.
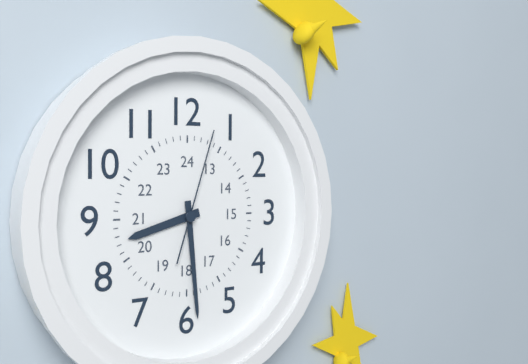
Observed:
{"hour": 8, "minute": 29, "second": 3}
